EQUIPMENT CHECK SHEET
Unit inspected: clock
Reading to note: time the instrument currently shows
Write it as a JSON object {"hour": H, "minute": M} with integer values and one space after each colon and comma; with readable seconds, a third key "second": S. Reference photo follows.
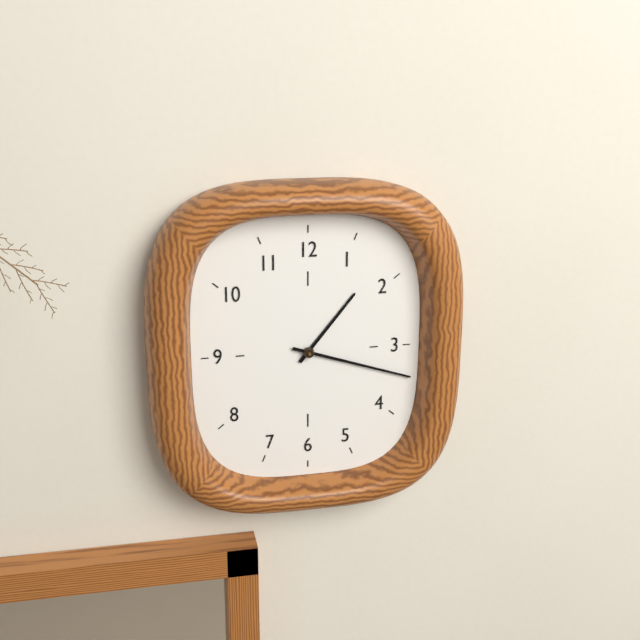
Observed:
{"hour": 1, "minute": 18}
